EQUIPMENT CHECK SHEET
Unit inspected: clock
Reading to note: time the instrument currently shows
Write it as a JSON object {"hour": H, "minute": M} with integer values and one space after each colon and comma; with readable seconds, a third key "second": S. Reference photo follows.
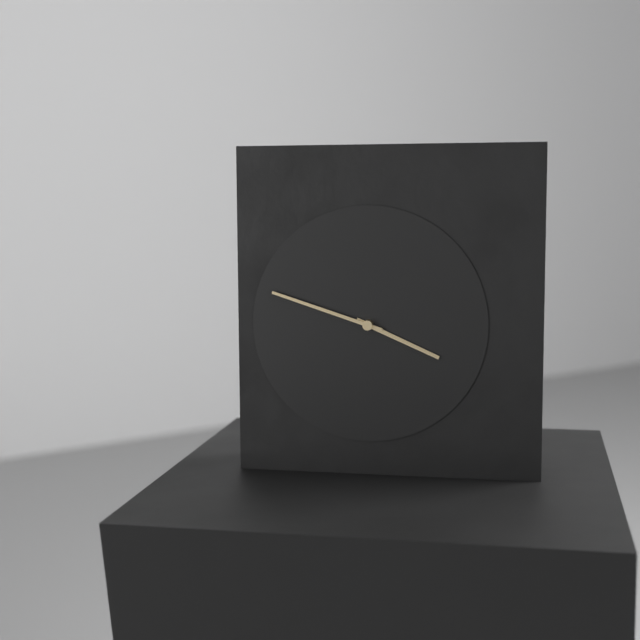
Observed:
{"hour": 3, "minute": 48}
